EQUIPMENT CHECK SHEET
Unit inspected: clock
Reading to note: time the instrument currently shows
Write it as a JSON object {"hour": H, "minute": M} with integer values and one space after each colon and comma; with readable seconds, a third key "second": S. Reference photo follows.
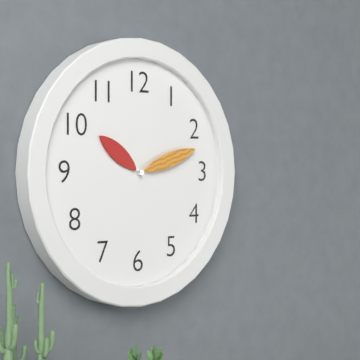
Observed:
{"hour": 10, "minute": 12}
